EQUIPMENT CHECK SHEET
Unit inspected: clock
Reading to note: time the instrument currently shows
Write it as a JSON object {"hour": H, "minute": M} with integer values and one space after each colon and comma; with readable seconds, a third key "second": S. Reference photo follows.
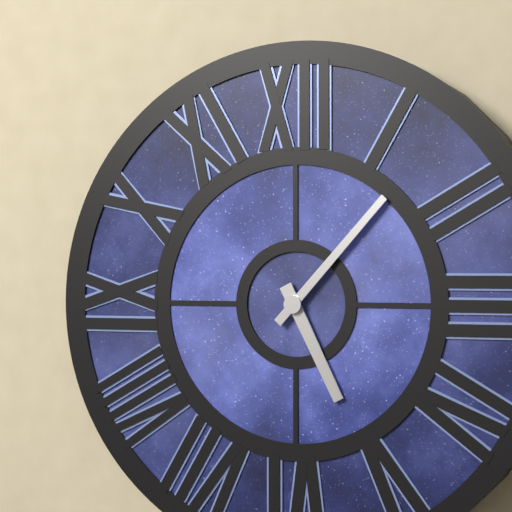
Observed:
{"hour": 5, "minute": 7}
